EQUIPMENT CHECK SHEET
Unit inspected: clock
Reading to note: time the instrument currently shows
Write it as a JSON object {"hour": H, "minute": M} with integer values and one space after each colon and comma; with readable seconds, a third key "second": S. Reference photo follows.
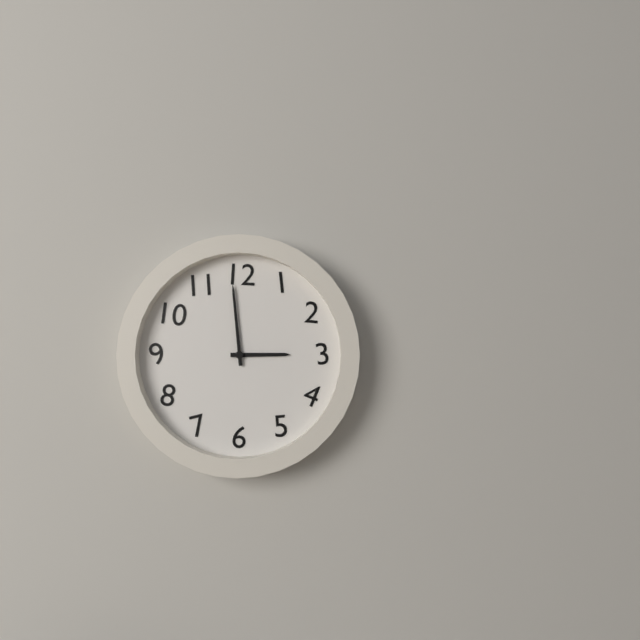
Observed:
{"hour": 2, "minute": 59}
